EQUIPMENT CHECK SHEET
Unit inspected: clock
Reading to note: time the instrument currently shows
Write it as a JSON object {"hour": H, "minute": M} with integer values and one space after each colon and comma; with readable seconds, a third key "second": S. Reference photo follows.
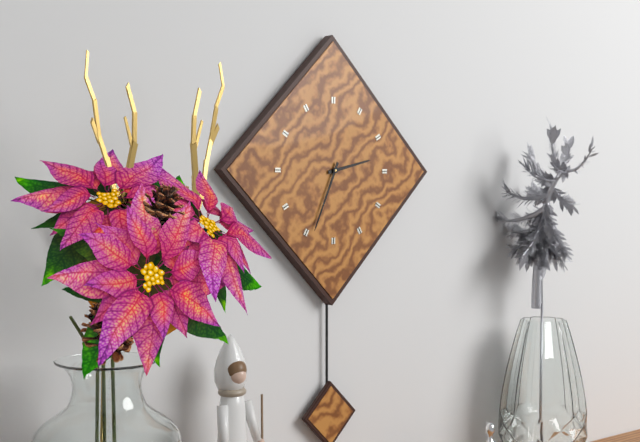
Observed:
{"hour": 2, "minute": 34}
